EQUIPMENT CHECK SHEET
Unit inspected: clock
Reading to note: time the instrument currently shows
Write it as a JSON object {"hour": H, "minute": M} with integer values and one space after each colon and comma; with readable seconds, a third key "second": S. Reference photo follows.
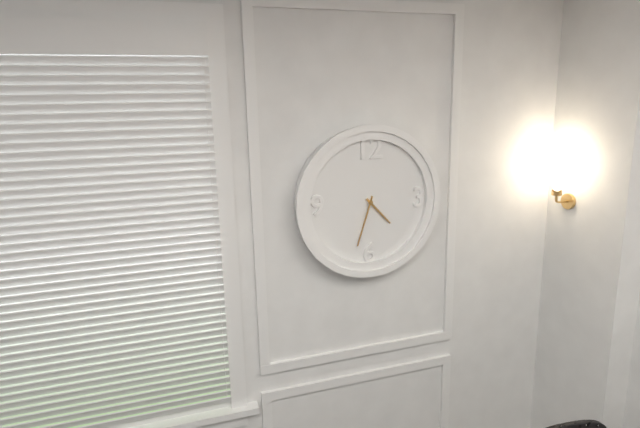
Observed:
{"hour": 4, "minute": 33}
